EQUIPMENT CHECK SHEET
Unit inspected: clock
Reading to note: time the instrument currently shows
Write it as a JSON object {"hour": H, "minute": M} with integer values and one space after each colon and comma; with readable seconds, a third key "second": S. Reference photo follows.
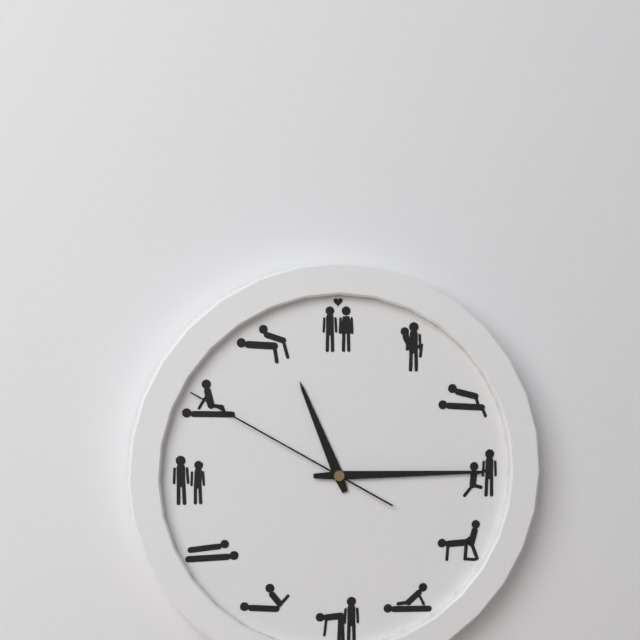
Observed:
{"hour": 11, "minute": 15, "second": 50}
